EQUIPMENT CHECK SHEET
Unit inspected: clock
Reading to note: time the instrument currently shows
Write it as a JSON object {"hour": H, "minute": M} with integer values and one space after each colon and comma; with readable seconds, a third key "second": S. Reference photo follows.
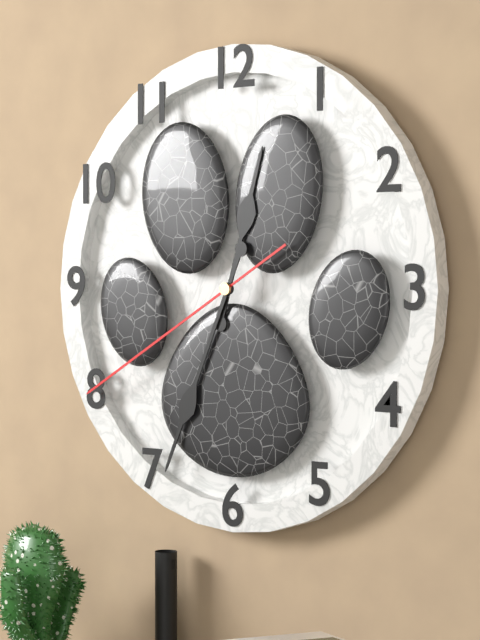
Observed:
{"hour": 12, "minute": 34, "second": 40}
